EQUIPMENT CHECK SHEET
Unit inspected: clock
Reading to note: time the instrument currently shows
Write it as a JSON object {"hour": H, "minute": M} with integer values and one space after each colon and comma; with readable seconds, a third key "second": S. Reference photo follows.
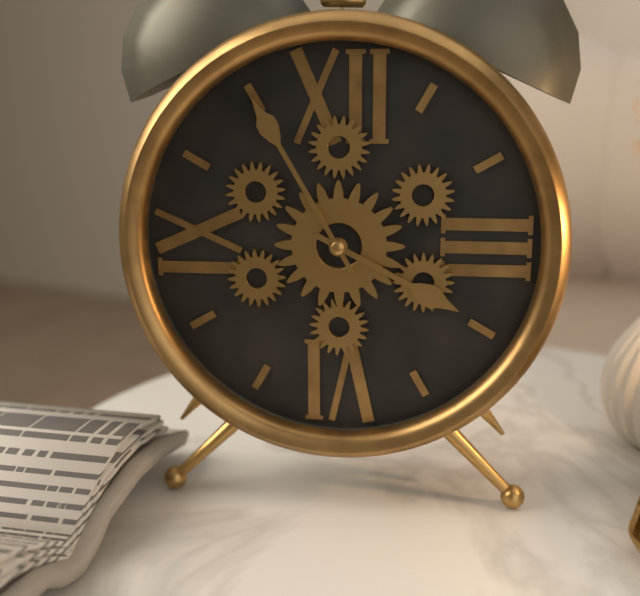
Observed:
{"hour": 3, "minute": 55}
